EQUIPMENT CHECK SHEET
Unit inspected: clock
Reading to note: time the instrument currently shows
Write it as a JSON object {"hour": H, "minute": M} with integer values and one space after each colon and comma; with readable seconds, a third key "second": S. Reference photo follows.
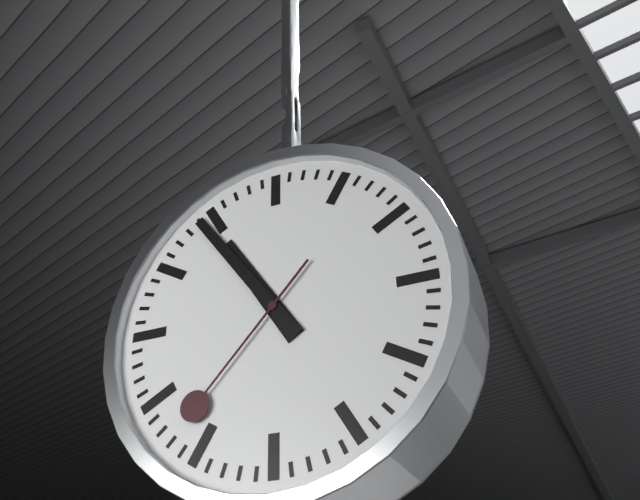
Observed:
{"hour": 10, "minute": 54, "second": 37}
